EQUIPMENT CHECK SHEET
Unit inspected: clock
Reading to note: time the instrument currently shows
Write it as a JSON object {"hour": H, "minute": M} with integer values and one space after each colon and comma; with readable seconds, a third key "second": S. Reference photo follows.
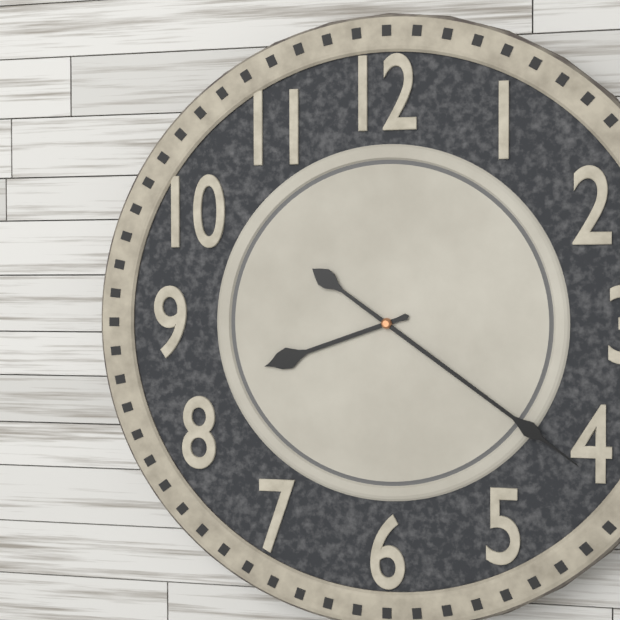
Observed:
{"hour": 8, "minute": 21}
